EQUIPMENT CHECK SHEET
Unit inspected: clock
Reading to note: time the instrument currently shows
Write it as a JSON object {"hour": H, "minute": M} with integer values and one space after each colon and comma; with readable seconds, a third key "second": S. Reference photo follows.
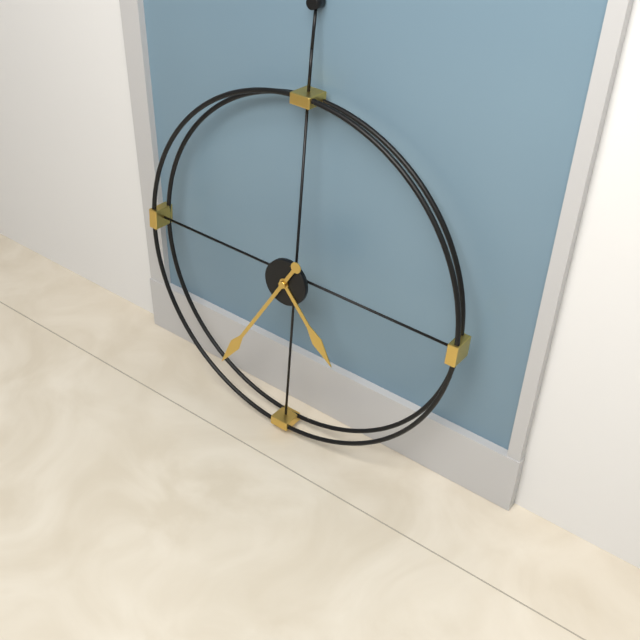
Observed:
{"hour": 4, "minute": 35}
